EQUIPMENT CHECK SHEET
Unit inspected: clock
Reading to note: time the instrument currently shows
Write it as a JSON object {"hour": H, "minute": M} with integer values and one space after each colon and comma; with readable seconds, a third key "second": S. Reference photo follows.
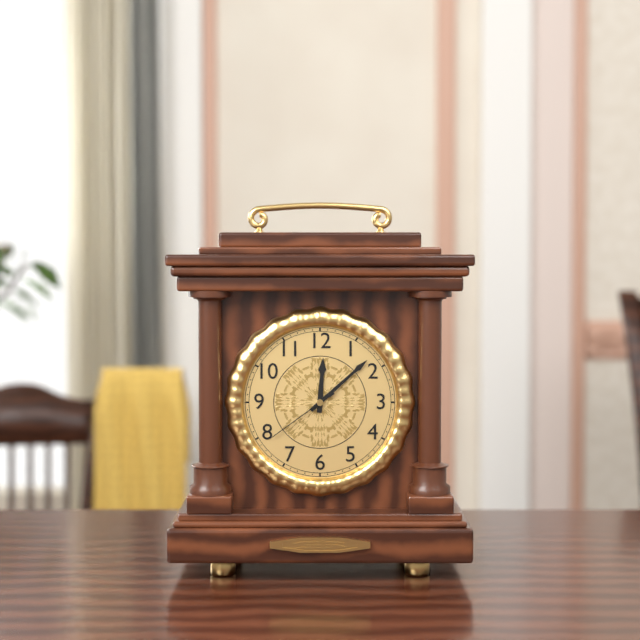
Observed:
{"hour": 12, "minute": 8, "second": 39}
